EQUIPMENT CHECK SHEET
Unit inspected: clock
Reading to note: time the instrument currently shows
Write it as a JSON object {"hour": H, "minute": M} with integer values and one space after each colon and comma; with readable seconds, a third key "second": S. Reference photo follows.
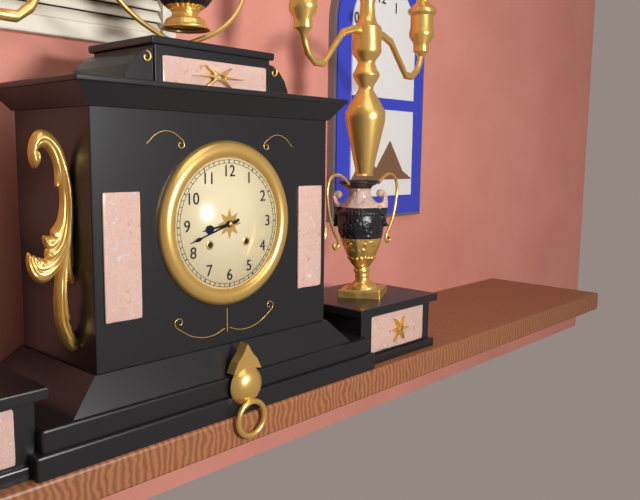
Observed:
{"hour": 8, "minute": 42}
